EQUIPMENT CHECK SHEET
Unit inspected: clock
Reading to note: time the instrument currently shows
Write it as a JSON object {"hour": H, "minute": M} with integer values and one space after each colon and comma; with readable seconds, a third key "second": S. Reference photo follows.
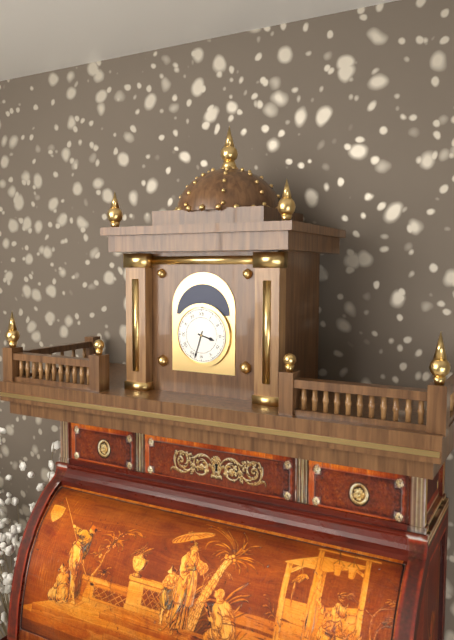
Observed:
{"hour": 3, "minute": 33}
